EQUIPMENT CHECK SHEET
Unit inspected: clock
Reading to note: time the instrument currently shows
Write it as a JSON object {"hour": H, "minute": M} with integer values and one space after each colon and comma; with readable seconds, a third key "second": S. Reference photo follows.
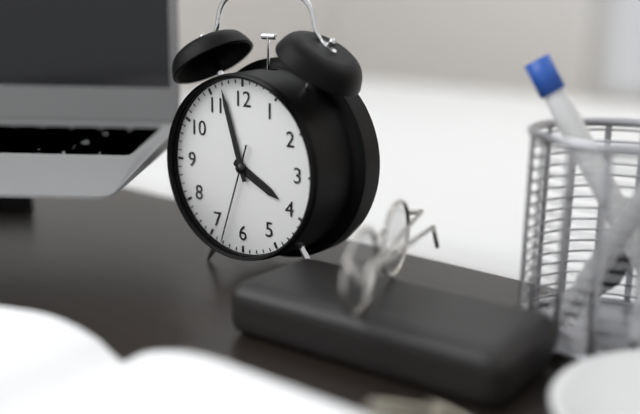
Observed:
{"hour": 3, "minute": 57, "second": 33}
